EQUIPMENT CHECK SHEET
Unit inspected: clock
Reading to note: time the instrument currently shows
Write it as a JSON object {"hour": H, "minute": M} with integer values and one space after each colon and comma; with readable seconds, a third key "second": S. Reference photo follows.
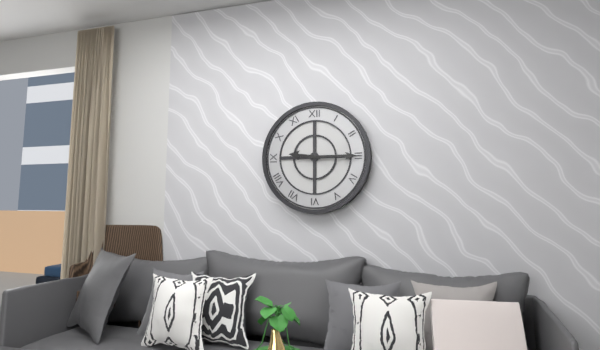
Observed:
{"hour": 9, "minute": 15}
